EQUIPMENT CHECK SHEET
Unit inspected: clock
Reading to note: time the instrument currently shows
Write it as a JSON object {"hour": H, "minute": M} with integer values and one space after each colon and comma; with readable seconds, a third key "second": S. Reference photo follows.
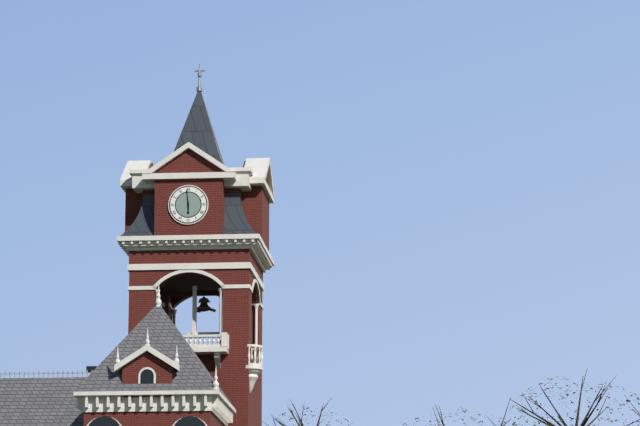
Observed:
{"hour": 5, "minute": 59}
